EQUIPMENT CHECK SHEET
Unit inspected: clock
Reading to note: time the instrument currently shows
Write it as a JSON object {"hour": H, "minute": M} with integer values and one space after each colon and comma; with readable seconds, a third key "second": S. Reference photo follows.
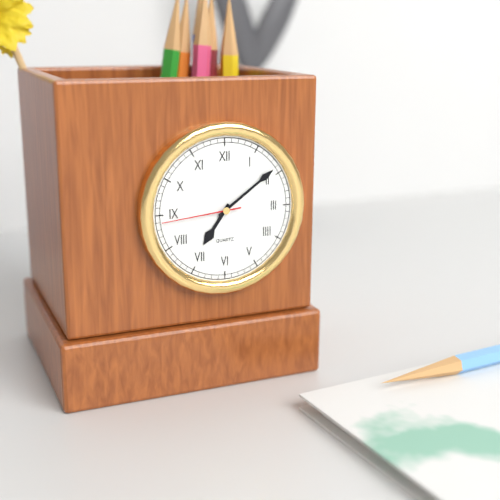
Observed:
{"hour": 7, "minute": 9, "second": 44}
